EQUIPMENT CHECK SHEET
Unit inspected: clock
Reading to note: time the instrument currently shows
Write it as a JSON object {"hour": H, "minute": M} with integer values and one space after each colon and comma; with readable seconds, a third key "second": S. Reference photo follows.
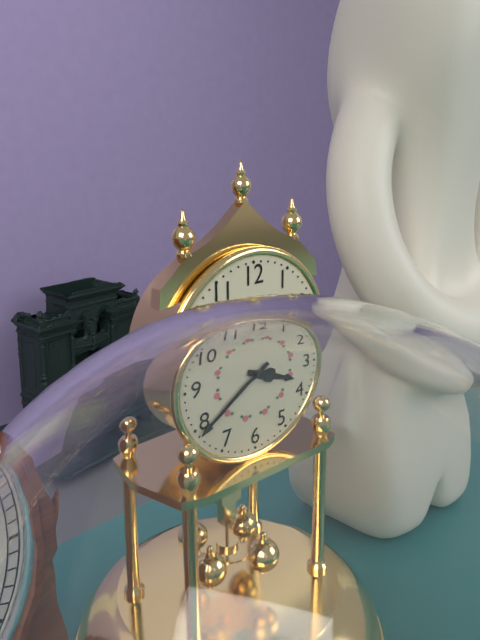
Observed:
{"hour": 3, "minute": 39}
